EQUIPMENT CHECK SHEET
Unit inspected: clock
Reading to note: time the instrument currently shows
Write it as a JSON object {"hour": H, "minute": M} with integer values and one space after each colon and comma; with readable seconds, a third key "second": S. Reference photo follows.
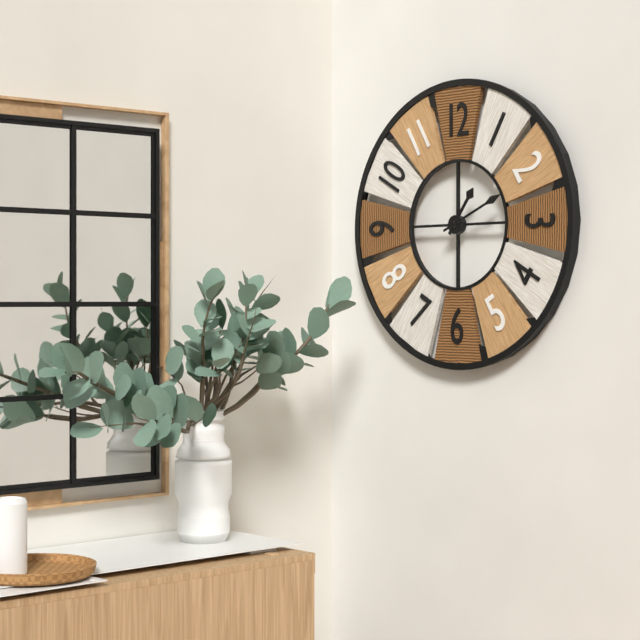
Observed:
{"hour": 1, "minute": 11}
